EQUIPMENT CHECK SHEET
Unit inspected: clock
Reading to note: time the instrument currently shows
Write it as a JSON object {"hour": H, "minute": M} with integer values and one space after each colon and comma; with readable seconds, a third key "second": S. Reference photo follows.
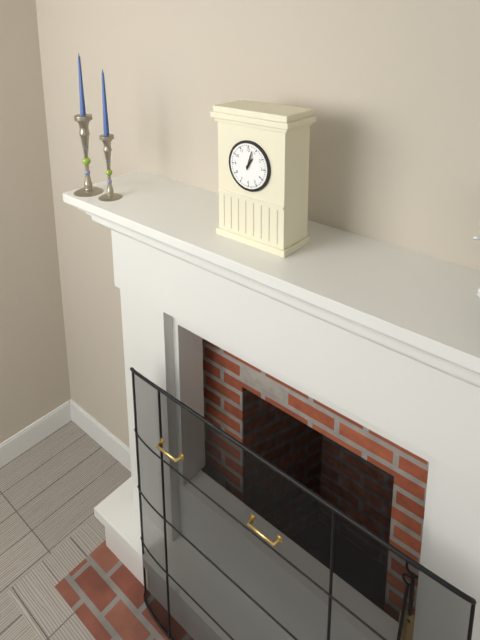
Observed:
{"hour": 1, "minute": 3}
